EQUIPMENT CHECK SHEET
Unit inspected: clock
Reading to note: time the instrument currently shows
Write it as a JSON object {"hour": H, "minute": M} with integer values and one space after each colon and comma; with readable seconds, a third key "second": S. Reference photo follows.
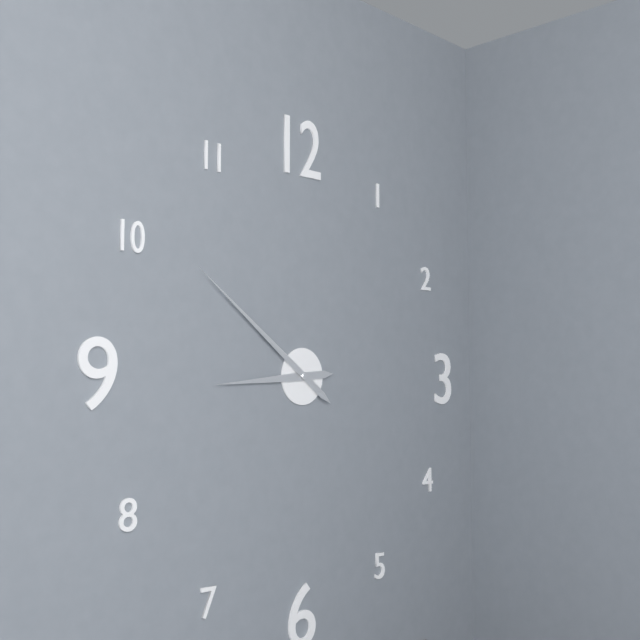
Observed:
{"hour": 8, "minute": 51}
